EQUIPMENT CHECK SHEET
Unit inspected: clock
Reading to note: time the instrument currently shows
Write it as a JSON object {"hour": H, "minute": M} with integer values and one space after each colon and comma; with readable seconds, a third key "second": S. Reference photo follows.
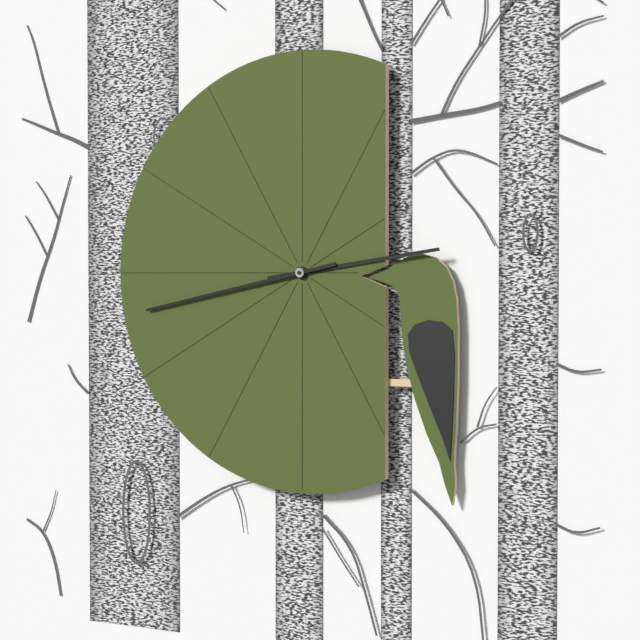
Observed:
{"hour": 2, "minute": 43}
